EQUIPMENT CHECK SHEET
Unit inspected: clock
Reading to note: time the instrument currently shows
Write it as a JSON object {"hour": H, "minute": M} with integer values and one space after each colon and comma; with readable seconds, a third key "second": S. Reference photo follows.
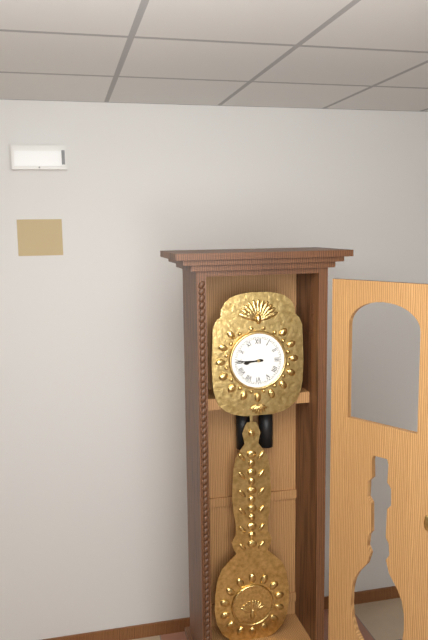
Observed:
{"hour": 8, "minute": 45}
